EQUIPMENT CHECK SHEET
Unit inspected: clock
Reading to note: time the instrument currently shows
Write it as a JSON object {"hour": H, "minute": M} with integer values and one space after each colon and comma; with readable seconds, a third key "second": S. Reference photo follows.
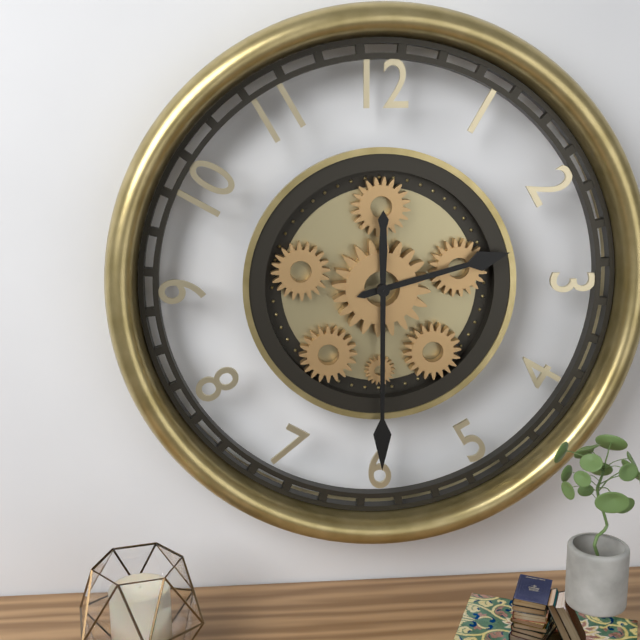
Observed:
{"hour": 2, "minute": 30}
